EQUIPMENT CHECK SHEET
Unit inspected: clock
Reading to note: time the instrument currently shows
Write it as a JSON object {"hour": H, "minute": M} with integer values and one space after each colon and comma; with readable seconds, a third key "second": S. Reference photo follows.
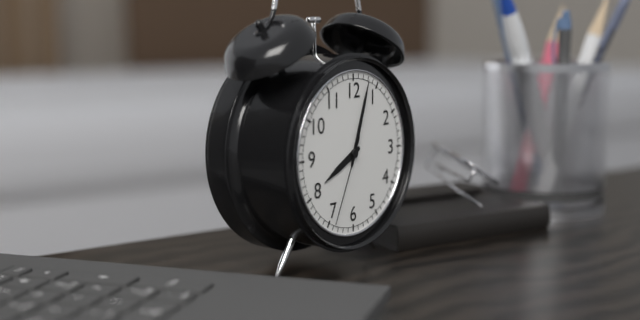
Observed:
{"hour": 8, "minute": 3, "second": 34}
